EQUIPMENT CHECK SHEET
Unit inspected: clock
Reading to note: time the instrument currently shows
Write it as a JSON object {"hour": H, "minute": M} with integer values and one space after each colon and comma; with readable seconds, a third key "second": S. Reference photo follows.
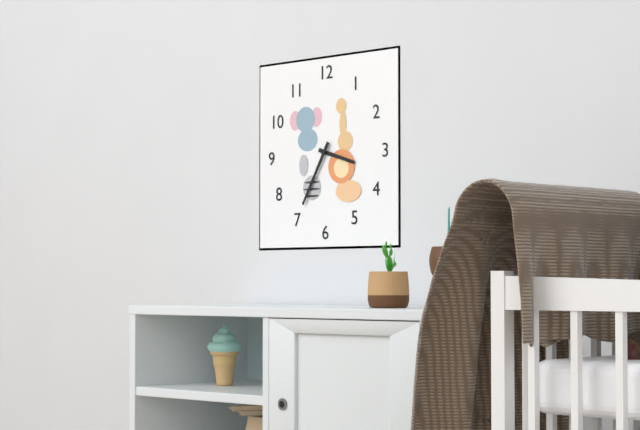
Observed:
{"hour": 3, "minute": 35}
